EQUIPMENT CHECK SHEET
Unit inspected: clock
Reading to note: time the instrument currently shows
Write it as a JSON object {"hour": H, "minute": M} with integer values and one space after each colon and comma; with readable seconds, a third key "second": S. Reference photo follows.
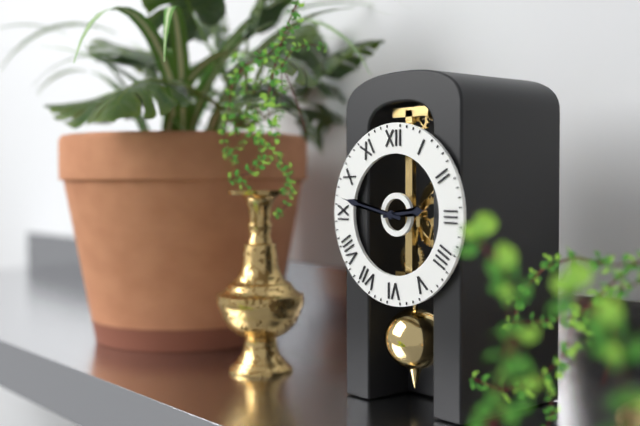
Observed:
{"hour": 2, "minute": 47}
